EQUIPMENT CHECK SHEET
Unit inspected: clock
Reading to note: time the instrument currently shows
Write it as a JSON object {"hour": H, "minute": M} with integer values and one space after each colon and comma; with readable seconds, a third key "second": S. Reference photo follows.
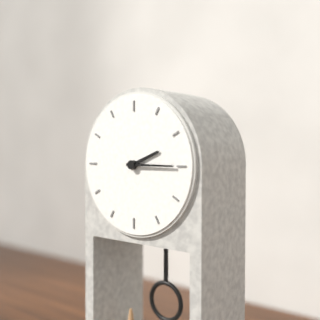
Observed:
{"hour": 2, "minute": 15}
